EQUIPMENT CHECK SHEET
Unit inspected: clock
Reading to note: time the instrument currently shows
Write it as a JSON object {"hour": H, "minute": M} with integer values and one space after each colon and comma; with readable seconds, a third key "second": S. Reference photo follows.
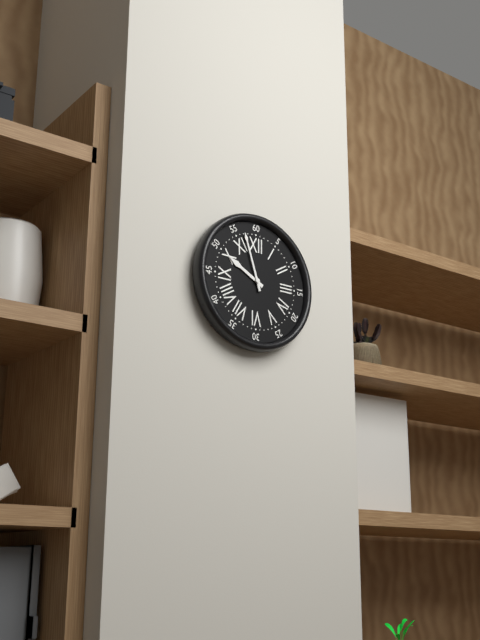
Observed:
{"hour": 9, "minute": 57}
